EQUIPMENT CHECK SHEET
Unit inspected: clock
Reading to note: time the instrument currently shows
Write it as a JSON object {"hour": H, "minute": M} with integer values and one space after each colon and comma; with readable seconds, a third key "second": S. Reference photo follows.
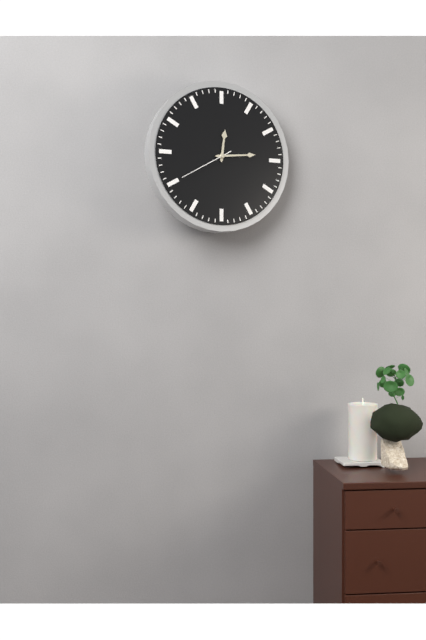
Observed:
{"hour": 12, "minute": 14, "second": 40}
